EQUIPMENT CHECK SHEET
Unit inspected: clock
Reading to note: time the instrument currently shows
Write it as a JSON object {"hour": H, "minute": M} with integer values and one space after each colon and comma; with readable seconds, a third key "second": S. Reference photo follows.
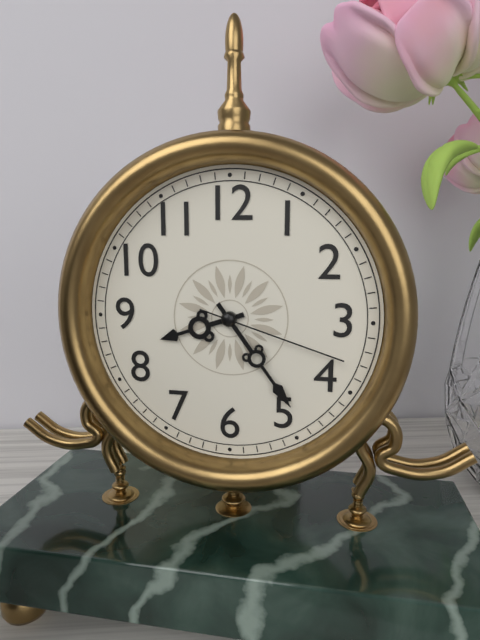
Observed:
{"hour": 8, "minute": 24, "second": 18}
